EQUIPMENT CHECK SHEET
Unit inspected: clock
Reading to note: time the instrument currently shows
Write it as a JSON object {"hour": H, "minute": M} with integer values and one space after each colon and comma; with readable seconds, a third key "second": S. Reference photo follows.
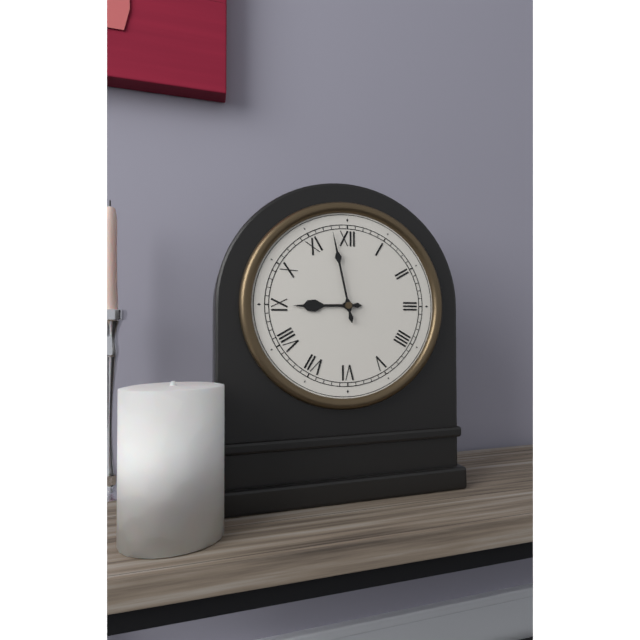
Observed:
{"hour": 8, "minute": 58}
